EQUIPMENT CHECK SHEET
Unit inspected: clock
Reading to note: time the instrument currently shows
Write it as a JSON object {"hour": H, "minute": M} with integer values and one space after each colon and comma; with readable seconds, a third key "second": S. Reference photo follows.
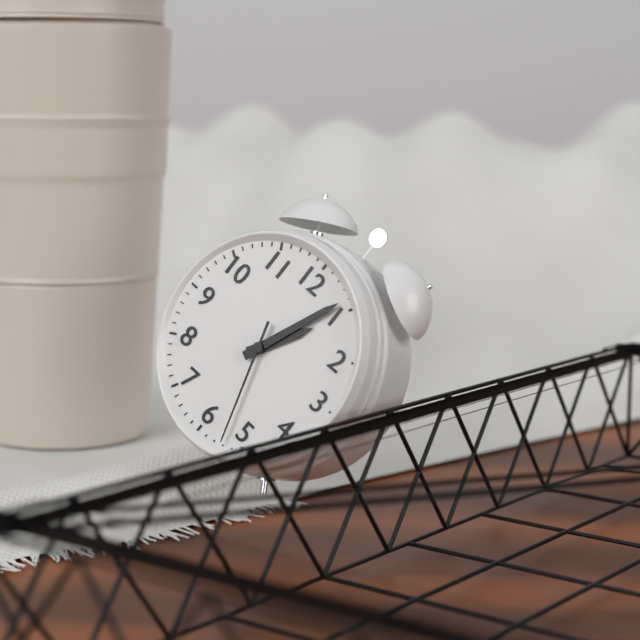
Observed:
{"hour": 1, "minute": 4, "second": 27}
